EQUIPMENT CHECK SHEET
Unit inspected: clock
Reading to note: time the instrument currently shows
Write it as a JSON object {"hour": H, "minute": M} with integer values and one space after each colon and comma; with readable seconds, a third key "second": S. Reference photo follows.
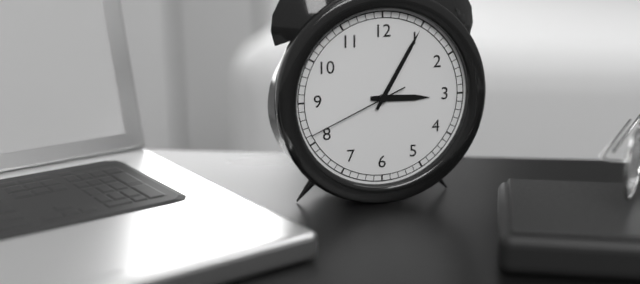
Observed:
{"hour": 3, "minute": 5, "second": 41}
